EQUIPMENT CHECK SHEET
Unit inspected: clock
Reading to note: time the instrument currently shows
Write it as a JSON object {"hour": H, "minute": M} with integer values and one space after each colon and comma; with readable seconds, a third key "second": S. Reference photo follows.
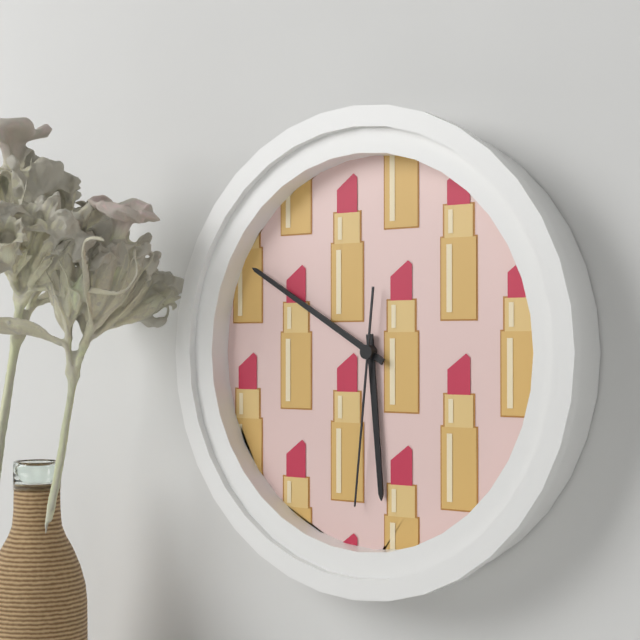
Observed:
{"hour": 5, "minute": 50, "second": 31}
